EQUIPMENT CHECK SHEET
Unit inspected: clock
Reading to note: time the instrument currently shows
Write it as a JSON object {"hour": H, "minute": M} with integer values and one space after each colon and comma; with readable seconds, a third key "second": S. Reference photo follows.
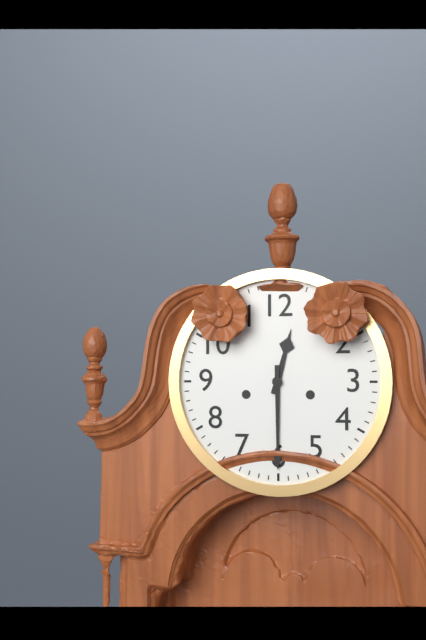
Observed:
{"hour": 12, "minute": 30}
